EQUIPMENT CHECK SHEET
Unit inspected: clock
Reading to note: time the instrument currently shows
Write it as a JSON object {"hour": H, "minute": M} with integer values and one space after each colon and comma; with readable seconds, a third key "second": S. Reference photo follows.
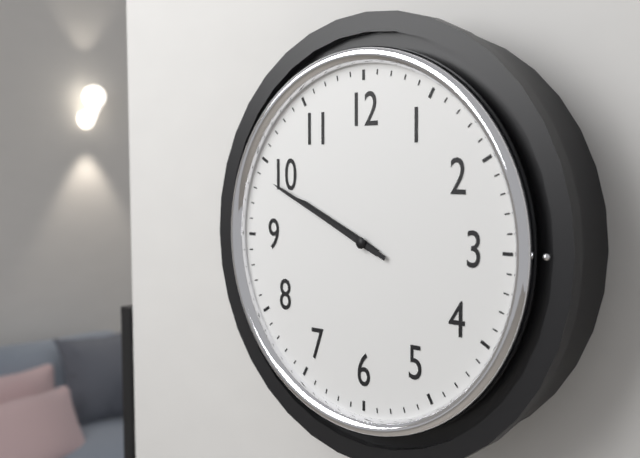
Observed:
{"hour": 9, "minute": 49}
